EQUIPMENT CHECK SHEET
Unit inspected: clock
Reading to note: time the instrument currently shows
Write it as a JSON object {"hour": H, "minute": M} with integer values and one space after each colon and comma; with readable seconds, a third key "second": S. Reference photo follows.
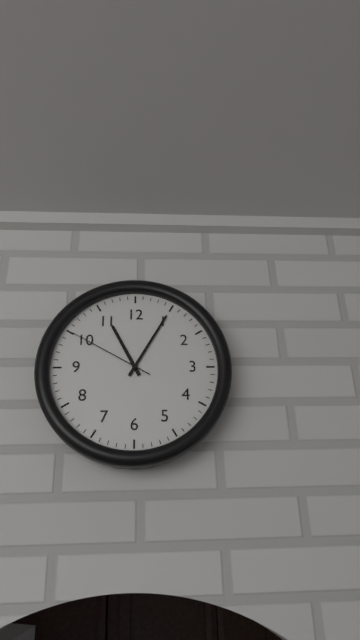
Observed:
{"hour": 11, "minute": 5, "second": 50}
